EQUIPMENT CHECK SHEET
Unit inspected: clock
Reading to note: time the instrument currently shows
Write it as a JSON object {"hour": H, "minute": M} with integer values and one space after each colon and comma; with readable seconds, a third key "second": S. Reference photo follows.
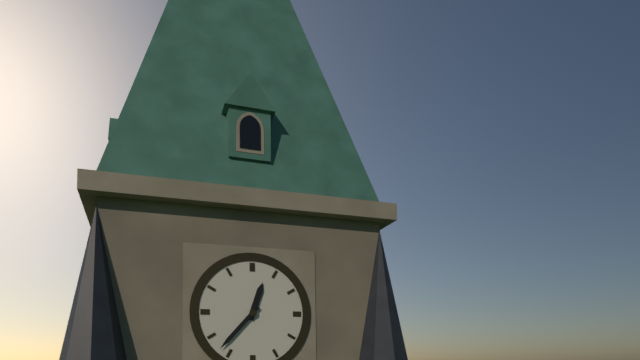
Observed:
{"hour": 12, "minute": 37}
